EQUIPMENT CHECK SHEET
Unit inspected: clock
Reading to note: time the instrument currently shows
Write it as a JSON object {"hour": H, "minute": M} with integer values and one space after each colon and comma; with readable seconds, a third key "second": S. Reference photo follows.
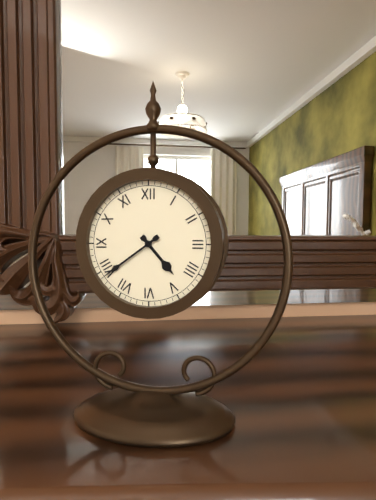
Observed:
{"hour": 4, "minute": 39}
